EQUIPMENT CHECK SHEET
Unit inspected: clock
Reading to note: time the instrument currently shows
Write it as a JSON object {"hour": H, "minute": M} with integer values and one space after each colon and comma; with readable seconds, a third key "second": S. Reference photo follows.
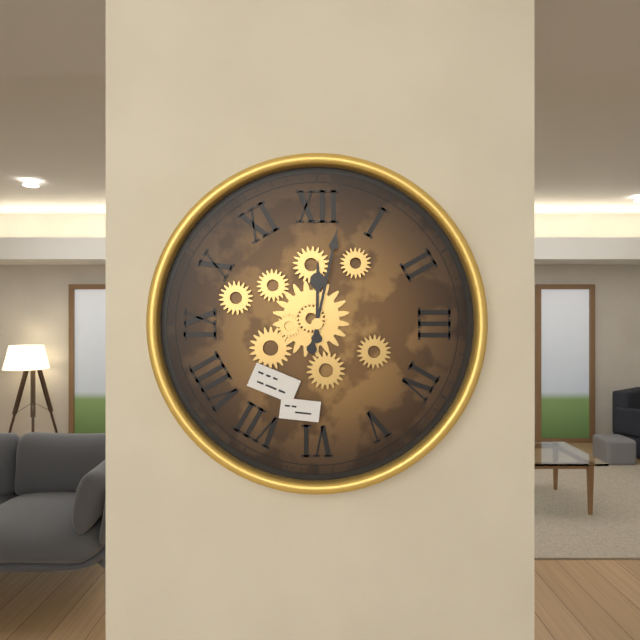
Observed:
{"hour": 12, "minute": 2}
